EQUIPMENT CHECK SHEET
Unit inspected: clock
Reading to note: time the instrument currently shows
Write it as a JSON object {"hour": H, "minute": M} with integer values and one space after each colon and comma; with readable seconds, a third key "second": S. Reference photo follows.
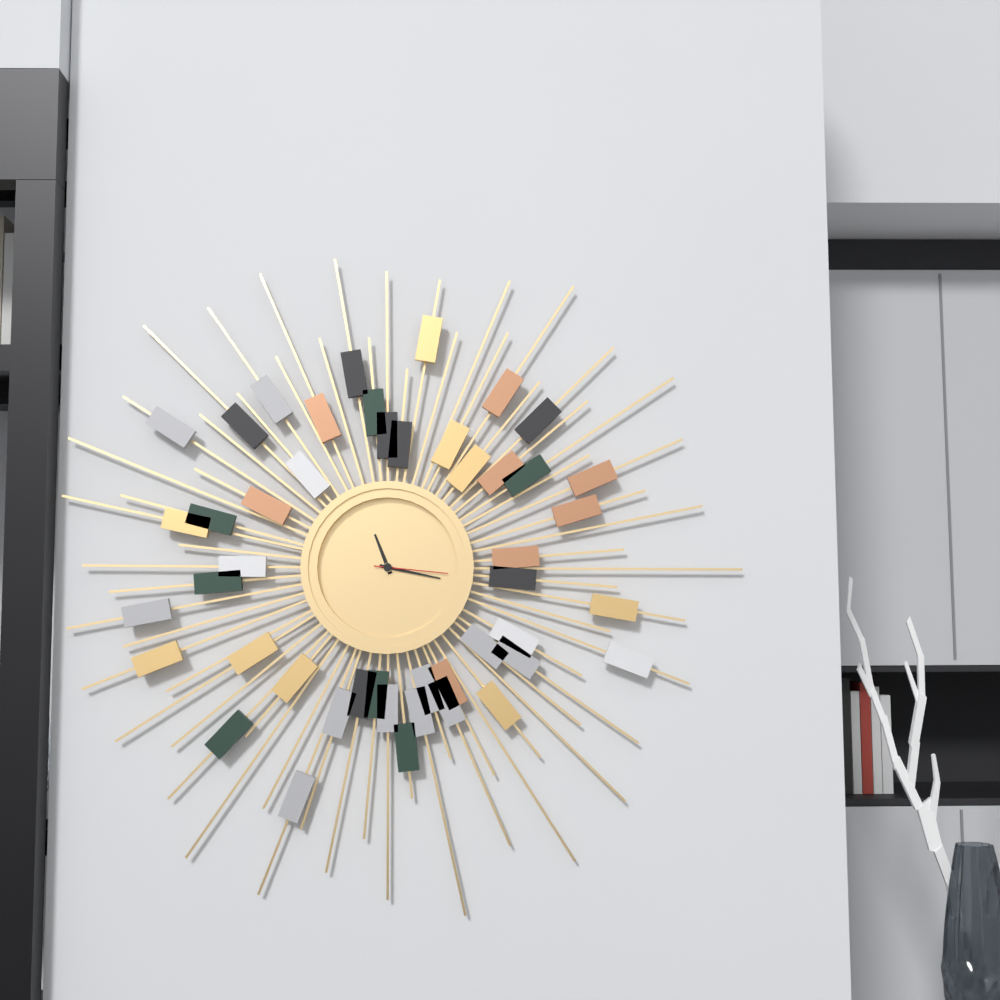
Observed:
{"hour": 11, "minute": 17, "second": 16}
